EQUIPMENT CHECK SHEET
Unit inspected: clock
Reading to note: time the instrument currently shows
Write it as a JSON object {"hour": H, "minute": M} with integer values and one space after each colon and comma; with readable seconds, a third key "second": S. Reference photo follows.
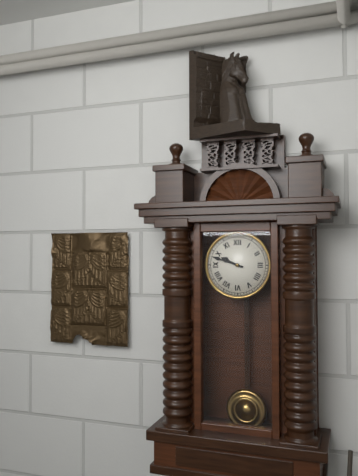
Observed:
{"hour": 9, "minute": 48}
